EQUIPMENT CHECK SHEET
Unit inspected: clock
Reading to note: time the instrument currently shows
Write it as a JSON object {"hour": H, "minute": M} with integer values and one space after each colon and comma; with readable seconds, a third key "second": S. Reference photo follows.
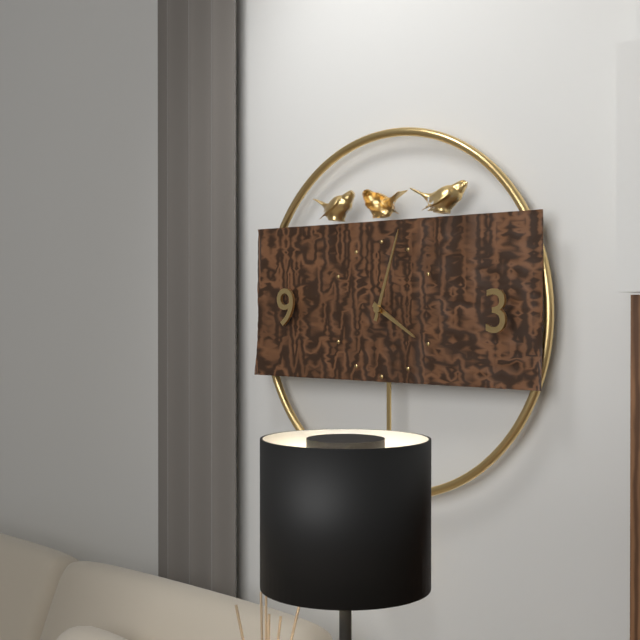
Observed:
{"hour": 4, "minute": 3}
